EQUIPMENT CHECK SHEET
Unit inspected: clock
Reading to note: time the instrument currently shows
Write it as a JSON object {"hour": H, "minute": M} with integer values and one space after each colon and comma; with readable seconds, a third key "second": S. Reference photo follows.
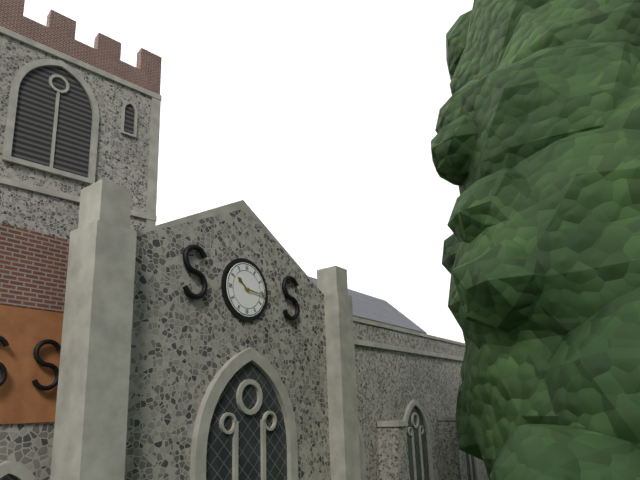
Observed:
{"hour": 10, "minute": 16}
